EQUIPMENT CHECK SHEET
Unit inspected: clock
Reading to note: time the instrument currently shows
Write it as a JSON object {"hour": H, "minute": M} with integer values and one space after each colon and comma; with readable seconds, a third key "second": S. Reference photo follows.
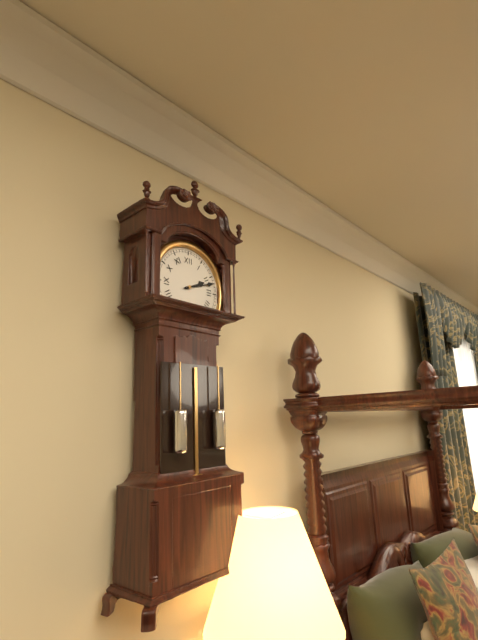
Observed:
{"hour": 2, "minute": 12}
